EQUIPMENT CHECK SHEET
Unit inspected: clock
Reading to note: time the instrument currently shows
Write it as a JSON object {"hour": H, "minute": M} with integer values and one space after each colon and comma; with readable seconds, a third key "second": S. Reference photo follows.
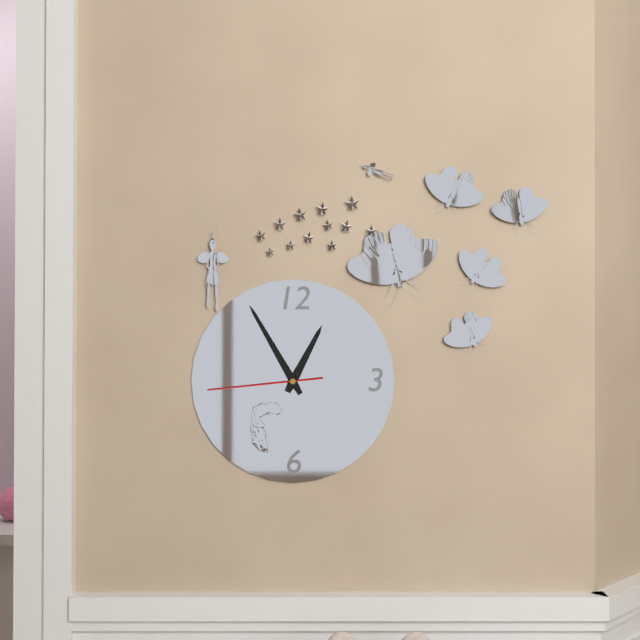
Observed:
{"hour": 12, "minute": 55, "second": 44}
